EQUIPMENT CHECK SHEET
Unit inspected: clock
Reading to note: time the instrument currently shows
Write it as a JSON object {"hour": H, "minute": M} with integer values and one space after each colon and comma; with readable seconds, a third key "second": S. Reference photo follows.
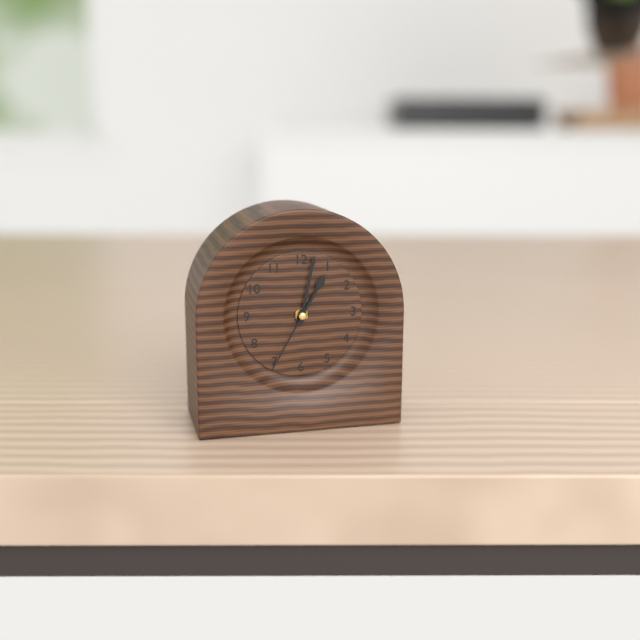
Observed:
{"hour": 1, "minute": 2, "second": 35}
